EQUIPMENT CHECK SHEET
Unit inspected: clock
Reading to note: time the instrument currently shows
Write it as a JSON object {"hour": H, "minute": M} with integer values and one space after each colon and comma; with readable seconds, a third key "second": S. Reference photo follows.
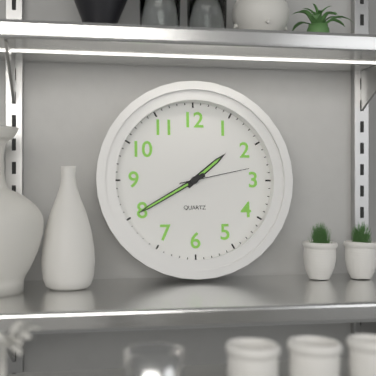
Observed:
{"hour": 1, "minute": 40, "second": 13}
